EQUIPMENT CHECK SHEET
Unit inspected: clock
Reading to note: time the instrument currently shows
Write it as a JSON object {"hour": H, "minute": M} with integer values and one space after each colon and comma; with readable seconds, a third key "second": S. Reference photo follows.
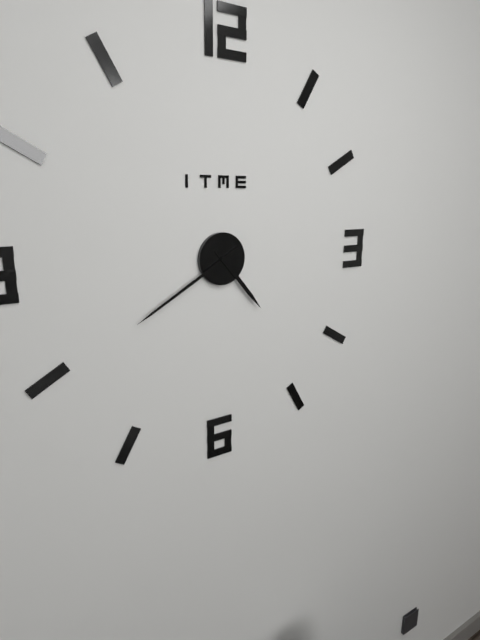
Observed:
{"hour": 4, "minute": 40}
